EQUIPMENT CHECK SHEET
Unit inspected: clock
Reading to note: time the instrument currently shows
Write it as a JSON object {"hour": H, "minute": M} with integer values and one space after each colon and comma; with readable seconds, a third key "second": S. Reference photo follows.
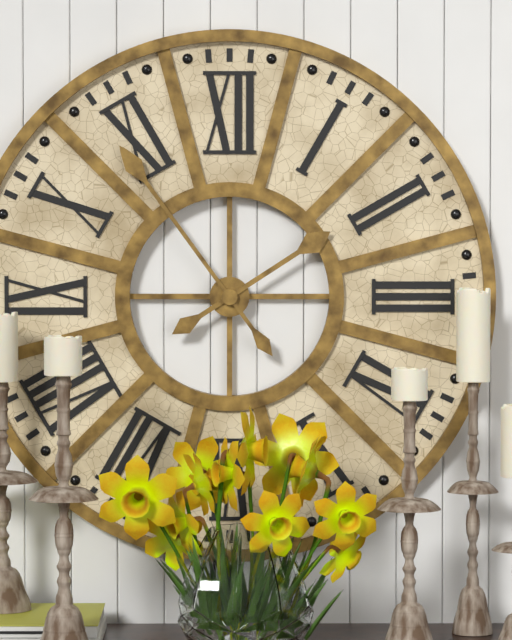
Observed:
{"hour": 1, "minute": 54}
